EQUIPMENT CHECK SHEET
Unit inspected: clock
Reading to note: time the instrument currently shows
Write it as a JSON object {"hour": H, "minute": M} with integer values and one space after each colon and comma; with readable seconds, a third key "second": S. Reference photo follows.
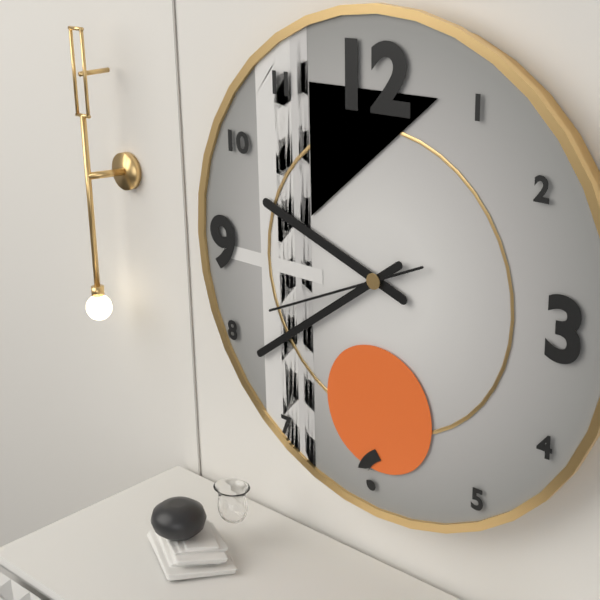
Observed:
{"hour": 9, "minute": 39, "second": 41}
